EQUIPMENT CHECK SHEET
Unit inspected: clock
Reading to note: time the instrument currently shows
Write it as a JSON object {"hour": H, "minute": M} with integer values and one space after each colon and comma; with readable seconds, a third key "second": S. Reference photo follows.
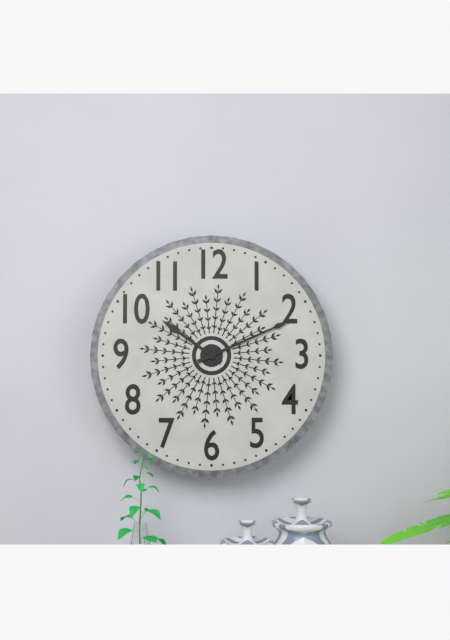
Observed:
{"hour": 10, "minute": 11}
